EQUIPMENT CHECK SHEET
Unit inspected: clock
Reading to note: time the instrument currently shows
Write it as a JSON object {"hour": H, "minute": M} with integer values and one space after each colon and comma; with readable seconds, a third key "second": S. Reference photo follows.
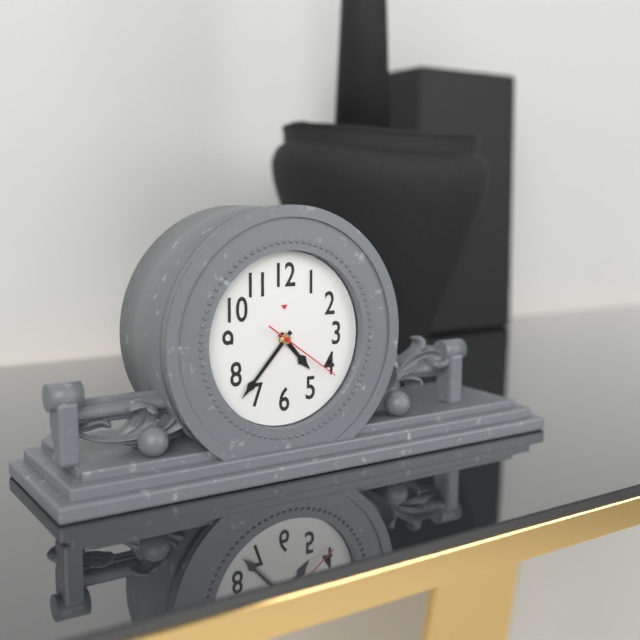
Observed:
{"hour": 4, "minute": 37, "second": 21}
